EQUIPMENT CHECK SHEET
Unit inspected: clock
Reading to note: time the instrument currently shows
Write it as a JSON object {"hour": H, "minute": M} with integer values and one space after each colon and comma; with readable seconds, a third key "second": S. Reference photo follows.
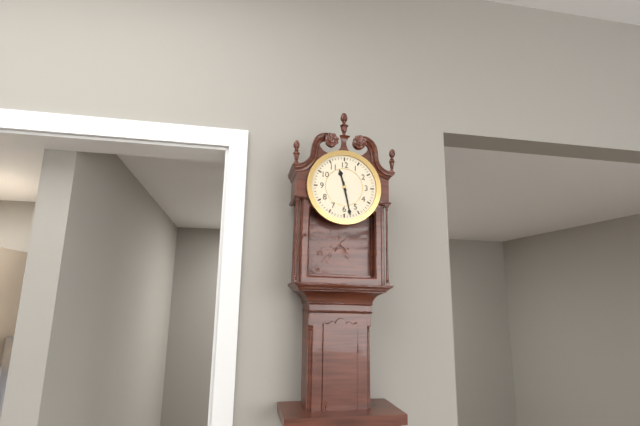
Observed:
{"hour": 11, "minute": 28}
